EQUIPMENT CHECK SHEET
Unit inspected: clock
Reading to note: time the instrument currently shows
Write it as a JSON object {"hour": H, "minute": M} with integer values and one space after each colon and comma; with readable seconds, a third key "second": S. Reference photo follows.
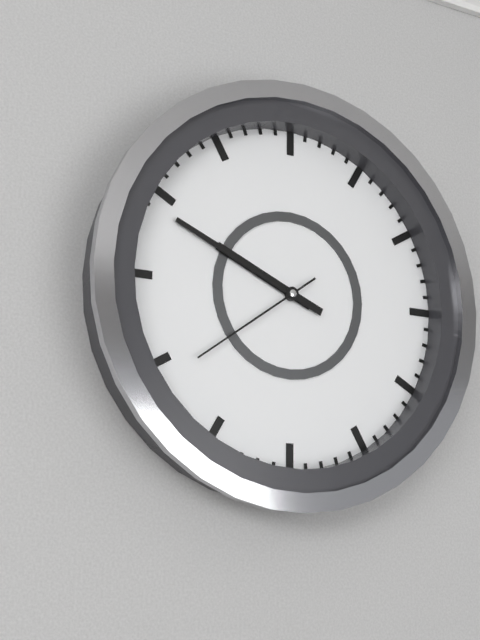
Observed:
{"hour": 9, "minute": 49, "second": 39}
